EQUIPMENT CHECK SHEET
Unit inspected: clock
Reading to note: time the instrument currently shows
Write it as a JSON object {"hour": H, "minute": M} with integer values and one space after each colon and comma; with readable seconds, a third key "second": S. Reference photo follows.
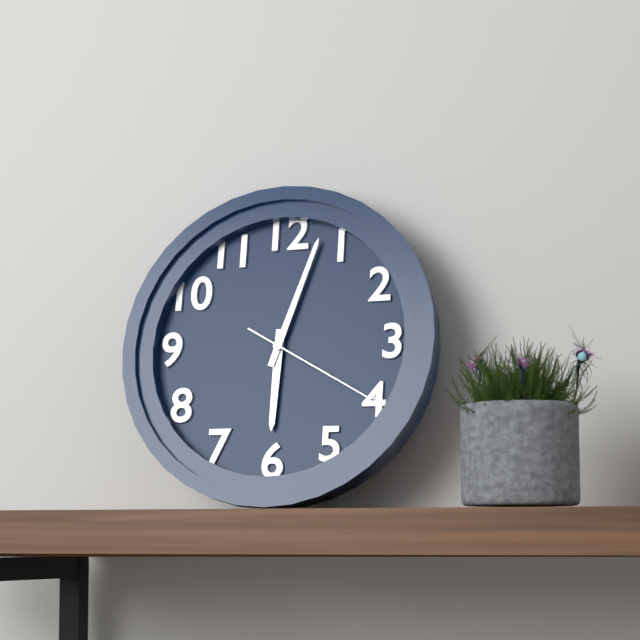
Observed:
{"hour": 6, "minute": 3, "second": 20}
